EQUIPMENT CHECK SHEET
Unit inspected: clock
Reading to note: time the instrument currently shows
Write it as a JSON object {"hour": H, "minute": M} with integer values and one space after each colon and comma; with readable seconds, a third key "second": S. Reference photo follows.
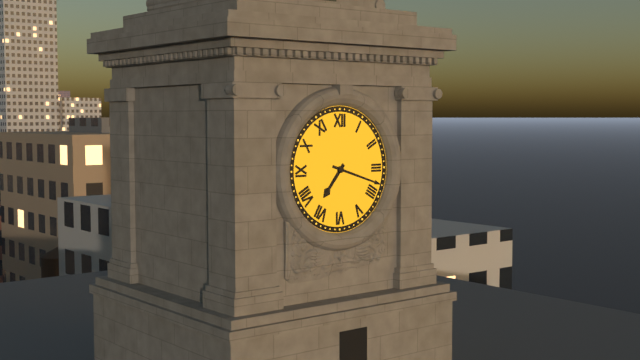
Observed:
{"hour": 7, "minute": 18}
